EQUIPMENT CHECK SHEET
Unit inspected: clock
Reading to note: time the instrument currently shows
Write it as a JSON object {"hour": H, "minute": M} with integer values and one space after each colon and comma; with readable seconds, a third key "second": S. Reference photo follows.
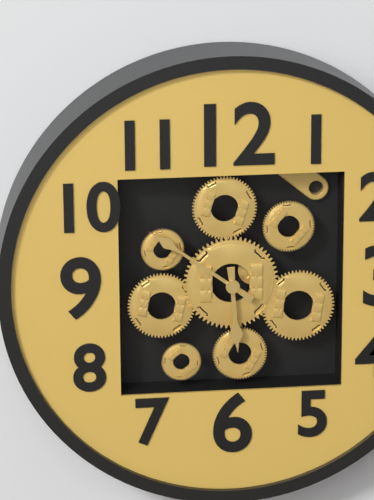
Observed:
{"hour": 5, "minute": 51}
